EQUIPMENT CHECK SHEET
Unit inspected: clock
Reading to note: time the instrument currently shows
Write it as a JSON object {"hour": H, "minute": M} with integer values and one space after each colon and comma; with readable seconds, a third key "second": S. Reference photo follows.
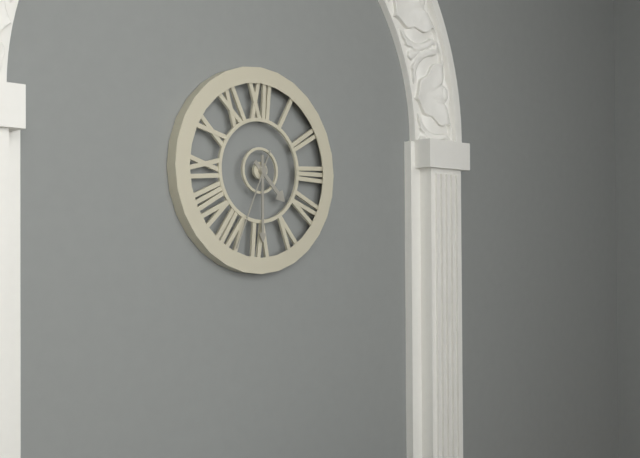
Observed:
{"hour": 4, "minute": 30, "second": 34}
